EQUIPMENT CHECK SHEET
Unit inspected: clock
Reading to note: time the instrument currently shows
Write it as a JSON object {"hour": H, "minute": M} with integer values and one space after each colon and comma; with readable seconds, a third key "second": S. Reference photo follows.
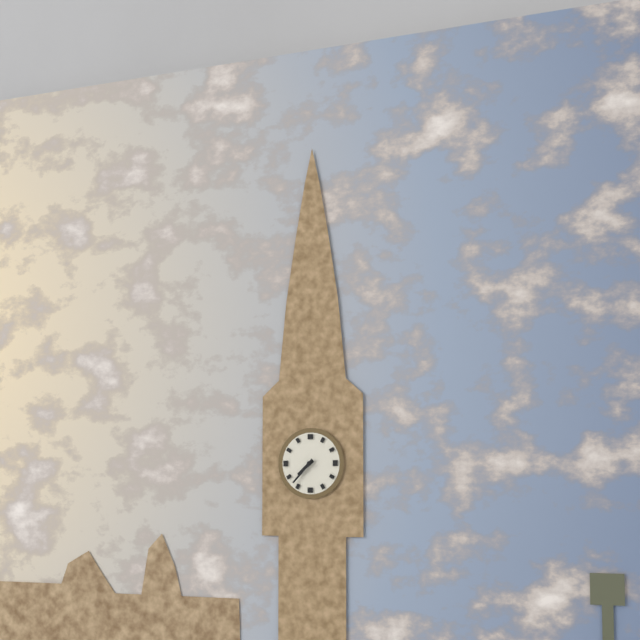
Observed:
{"hour": 7, "minute": 37}
